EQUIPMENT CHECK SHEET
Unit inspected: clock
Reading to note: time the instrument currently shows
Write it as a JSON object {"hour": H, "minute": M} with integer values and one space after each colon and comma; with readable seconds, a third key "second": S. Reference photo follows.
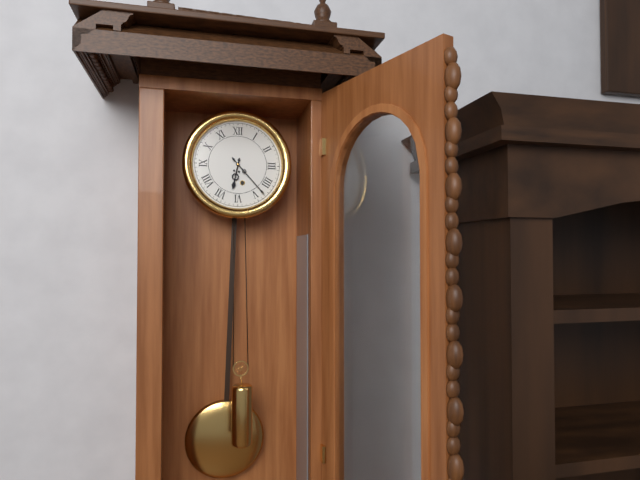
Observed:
{"hour": 6, "minute": 23}
